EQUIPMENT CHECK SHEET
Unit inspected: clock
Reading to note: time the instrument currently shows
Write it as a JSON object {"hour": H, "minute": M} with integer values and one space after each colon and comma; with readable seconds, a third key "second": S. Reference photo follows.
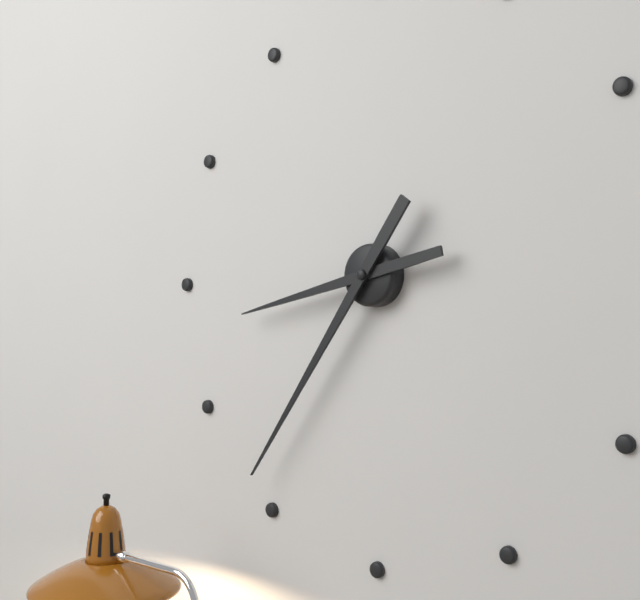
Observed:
{"hour": 8, "minute": 36}
